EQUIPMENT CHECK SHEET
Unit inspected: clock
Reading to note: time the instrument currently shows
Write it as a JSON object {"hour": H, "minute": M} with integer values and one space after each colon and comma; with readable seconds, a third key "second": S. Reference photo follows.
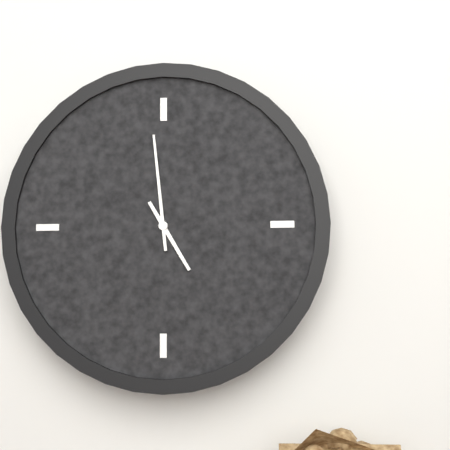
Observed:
{"hour": 4, "minute": 59}
